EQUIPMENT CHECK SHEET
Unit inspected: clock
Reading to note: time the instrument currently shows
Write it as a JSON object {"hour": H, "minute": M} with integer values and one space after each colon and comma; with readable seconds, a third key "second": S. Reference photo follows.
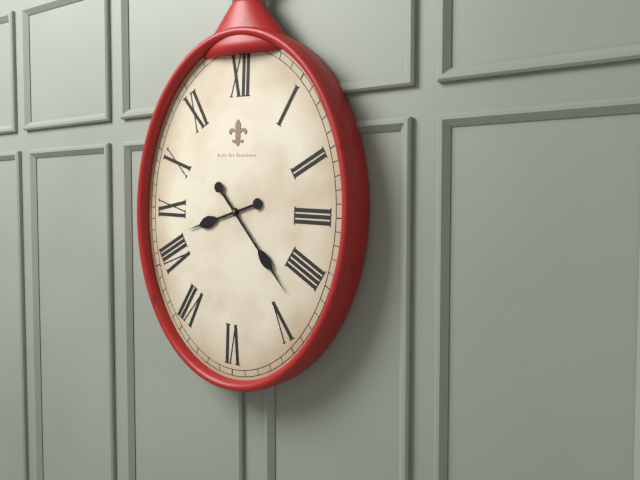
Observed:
{"hour": 8, "minute": 23}
